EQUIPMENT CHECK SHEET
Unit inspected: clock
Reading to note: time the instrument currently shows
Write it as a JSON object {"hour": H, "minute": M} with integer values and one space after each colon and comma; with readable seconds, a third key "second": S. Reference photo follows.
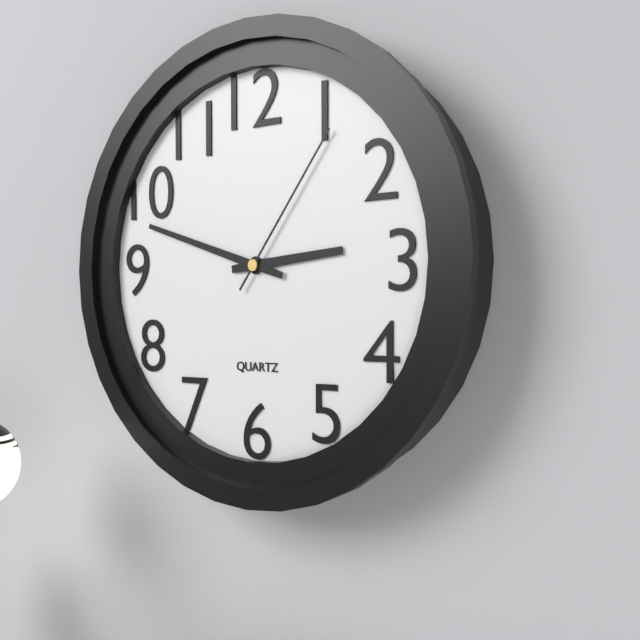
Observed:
{"hour": 2, "minute": 48, "second": 6}
